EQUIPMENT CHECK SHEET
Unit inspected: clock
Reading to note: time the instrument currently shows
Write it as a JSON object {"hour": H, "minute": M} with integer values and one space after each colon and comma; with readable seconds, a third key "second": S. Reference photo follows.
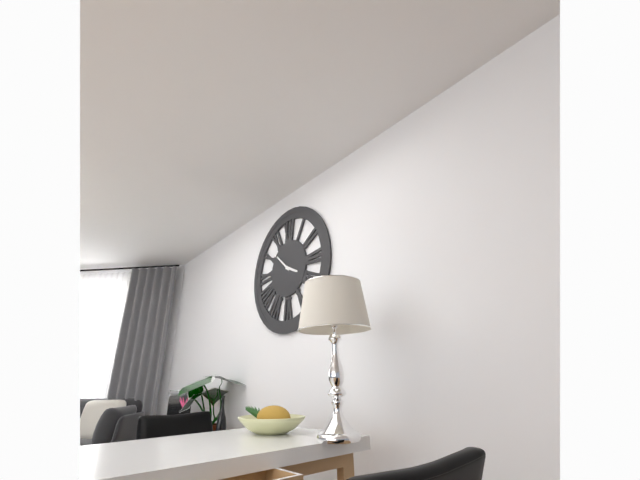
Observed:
{"hour": 3, "minute": 52}
